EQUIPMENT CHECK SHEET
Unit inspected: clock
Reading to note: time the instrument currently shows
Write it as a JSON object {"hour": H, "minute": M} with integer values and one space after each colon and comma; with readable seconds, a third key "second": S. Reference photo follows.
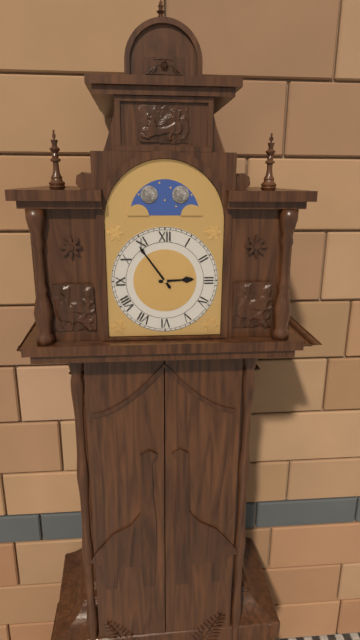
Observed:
{"hour": 2, "minute": 54}
